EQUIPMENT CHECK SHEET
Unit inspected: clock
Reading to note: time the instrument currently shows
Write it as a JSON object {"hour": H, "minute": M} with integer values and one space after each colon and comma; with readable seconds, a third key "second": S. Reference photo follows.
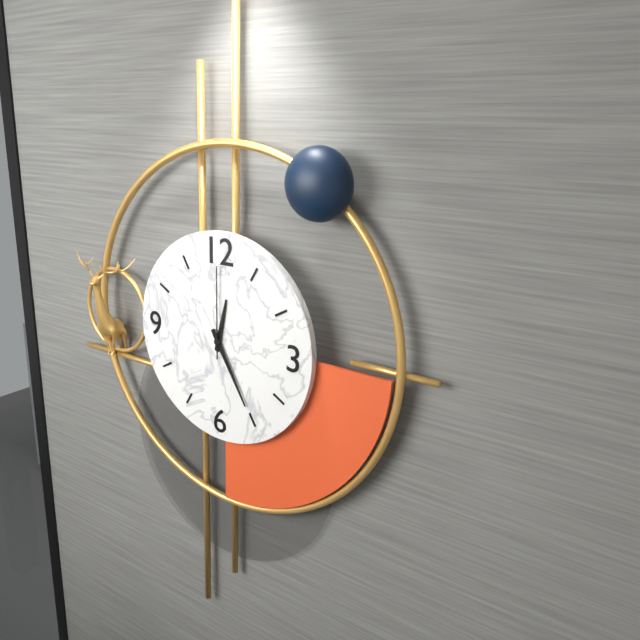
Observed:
{"hour": 12, "minute": 25, "second": 0}
